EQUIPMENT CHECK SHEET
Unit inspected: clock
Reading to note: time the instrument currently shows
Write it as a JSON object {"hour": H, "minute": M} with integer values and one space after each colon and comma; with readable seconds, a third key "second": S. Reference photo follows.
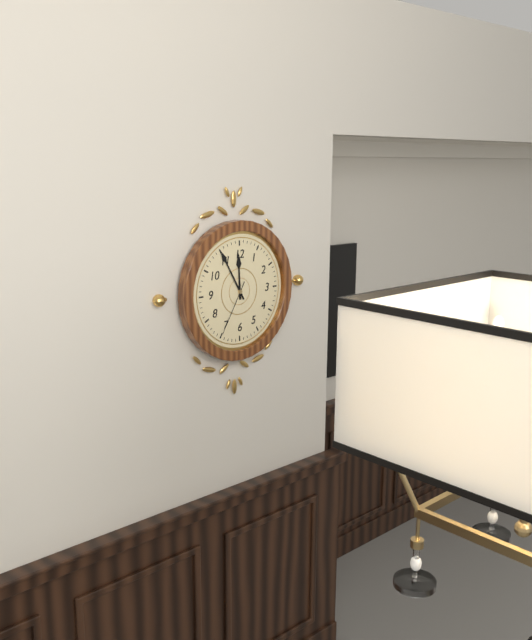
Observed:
{"hour": 11, "minute": 55, "second": 35}
